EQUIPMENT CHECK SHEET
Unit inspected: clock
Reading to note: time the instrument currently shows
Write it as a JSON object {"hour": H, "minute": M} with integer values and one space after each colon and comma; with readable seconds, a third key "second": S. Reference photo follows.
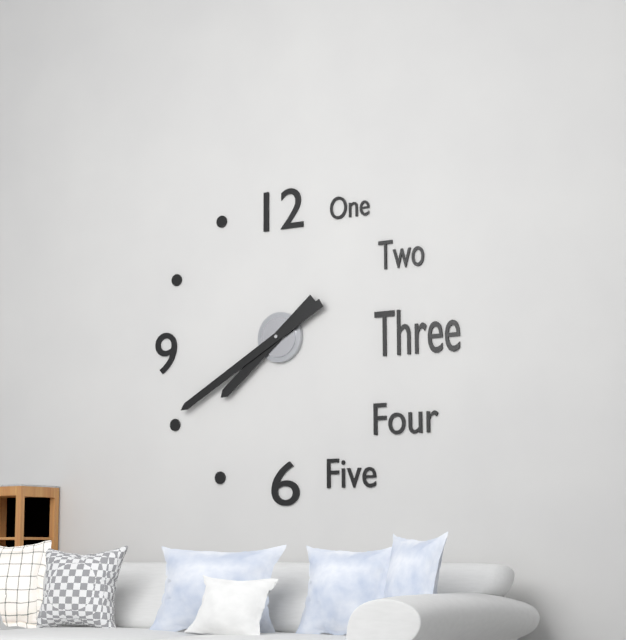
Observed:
{"hour": 7, "minute": 40}
